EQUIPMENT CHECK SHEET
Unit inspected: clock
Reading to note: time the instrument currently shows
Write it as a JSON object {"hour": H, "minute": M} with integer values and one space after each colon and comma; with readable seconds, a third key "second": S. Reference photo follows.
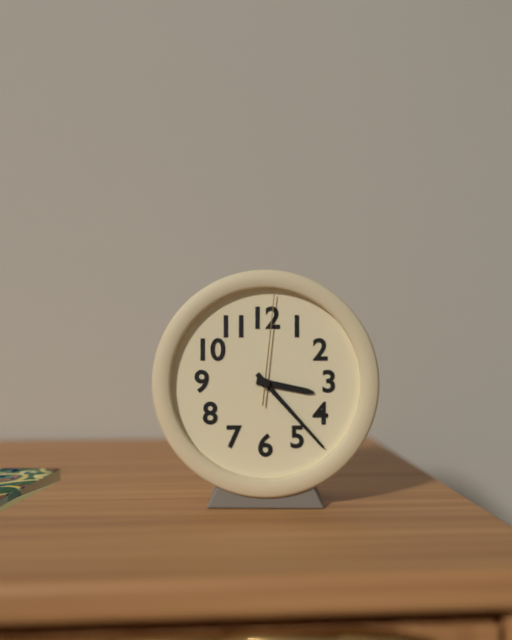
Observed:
{"hour": 3, "minute": 23, "second": 1}
